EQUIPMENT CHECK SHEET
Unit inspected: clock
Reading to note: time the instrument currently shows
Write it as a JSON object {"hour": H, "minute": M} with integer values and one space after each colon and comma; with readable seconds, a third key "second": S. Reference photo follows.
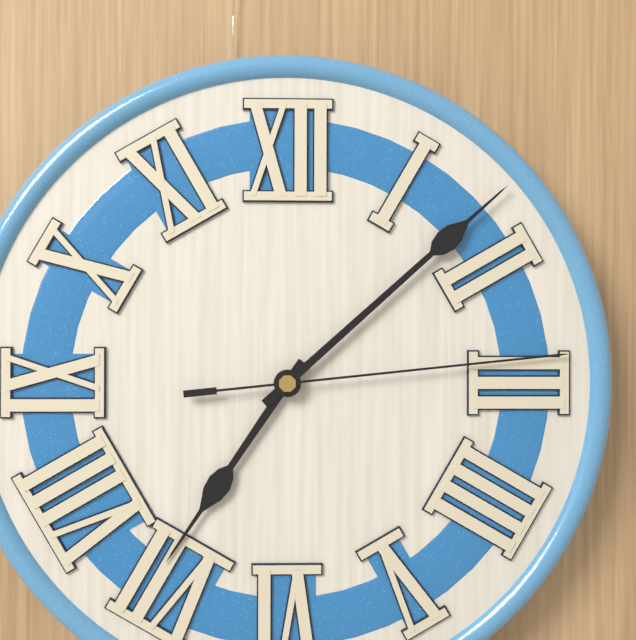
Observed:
{"hour": 7, "minute": 8, "second": 14}
